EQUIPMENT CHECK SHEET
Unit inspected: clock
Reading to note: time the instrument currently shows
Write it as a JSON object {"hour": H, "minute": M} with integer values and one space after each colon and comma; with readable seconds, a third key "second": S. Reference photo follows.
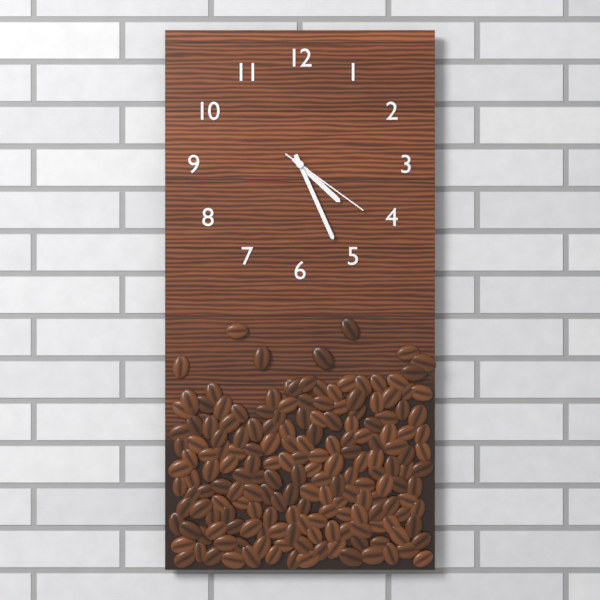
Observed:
{"hour": 4, "minute": 26, "second": 21}
